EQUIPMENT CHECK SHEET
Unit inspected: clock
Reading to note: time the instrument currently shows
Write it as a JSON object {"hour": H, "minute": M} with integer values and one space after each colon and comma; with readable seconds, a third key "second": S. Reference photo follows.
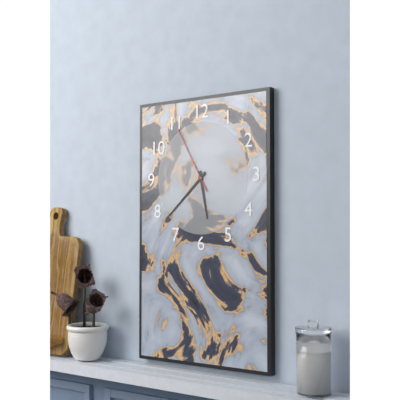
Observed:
{"hour": 5, "minute": 38, "second": 55}
